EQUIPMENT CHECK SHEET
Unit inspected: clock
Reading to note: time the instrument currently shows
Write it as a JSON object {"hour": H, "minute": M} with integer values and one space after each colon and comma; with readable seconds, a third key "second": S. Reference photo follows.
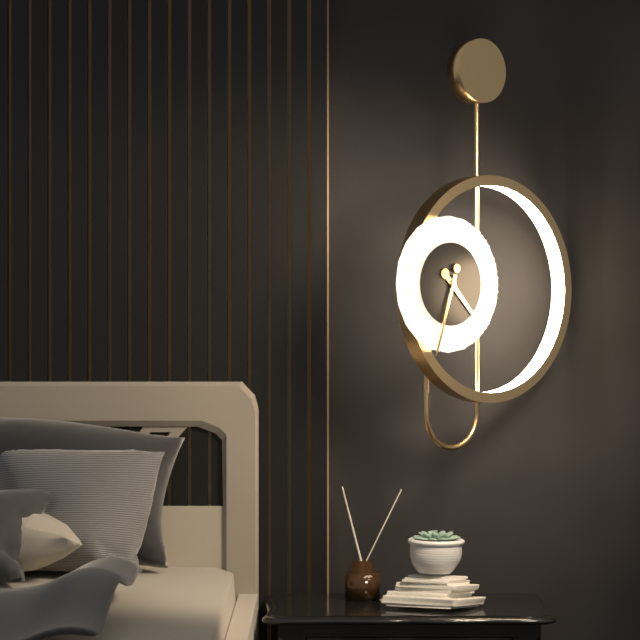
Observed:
{"hour": 4, "minute": 33}
